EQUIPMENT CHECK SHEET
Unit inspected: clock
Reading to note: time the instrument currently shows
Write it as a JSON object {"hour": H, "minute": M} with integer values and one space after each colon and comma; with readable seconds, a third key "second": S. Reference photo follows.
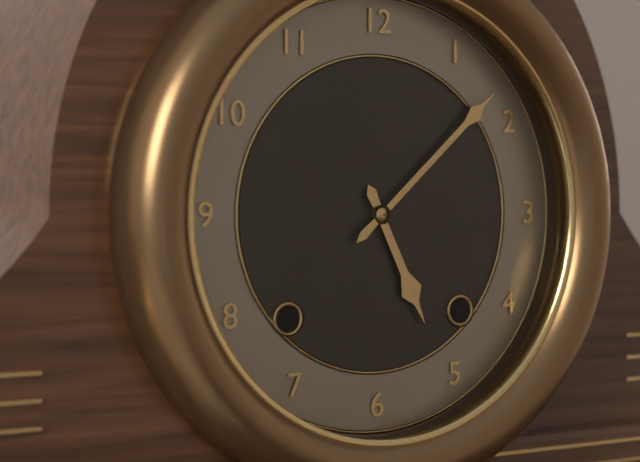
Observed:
{"hour": 5, "minute": 8}
